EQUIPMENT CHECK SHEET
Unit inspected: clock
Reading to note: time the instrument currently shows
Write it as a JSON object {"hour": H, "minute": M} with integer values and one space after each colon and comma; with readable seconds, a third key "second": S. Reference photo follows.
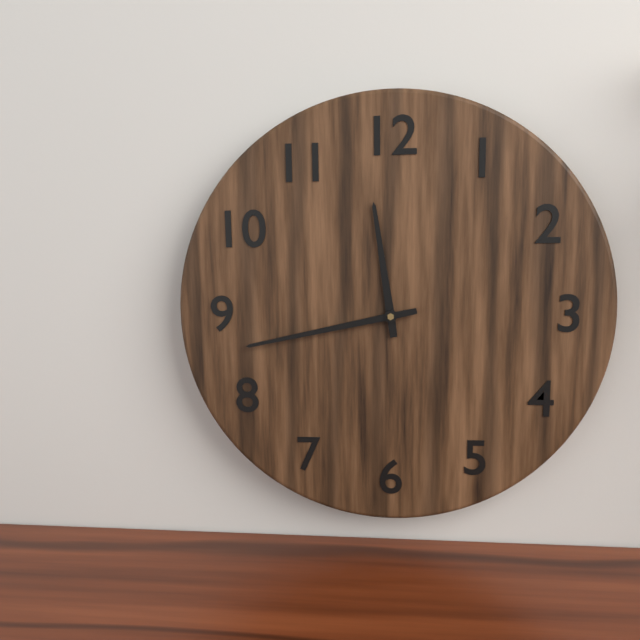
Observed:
{"hour": 11, "minute": 43}
